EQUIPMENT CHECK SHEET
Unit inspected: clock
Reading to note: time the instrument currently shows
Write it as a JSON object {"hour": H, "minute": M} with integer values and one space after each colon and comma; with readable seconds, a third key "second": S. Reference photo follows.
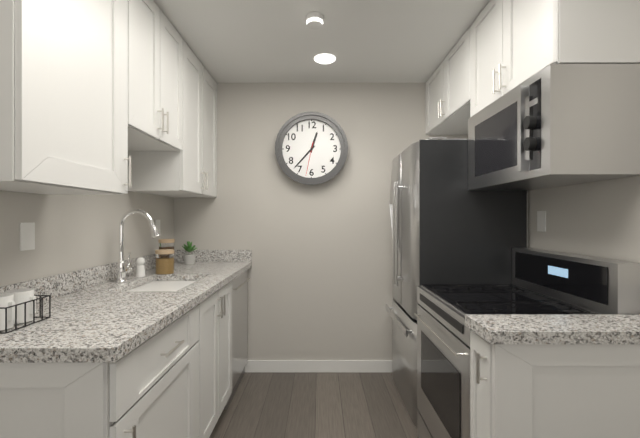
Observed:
{"hour": 12, "minute": 37}
